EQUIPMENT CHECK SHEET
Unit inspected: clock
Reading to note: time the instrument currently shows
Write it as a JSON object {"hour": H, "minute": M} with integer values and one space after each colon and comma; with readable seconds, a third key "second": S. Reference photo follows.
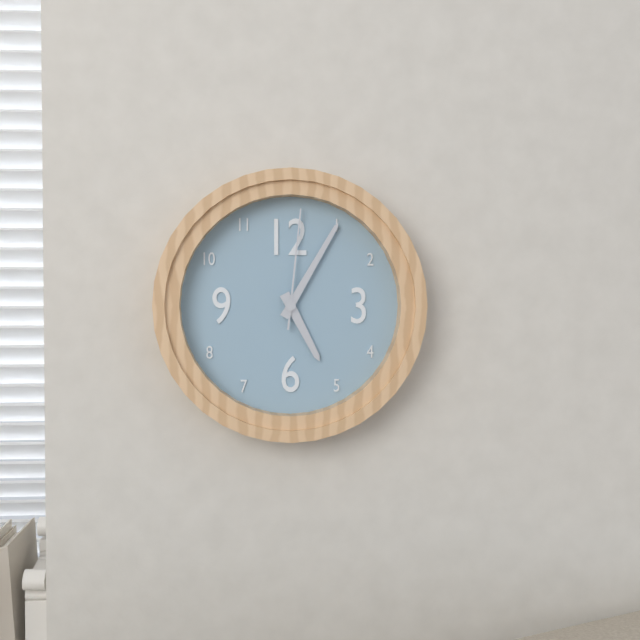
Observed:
{"hour": 5, "minute": 5, "second": 1}
